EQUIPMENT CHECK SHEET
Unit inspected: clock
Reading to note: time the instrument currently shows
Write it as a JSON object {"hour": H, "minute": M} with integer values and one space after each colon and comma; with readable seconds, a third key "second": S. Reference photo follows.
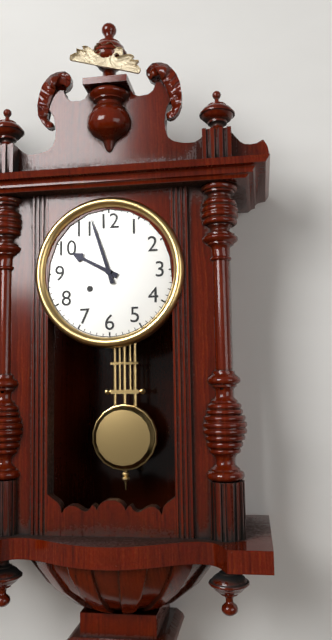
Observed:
{"hour": 9, "minute": 57}
